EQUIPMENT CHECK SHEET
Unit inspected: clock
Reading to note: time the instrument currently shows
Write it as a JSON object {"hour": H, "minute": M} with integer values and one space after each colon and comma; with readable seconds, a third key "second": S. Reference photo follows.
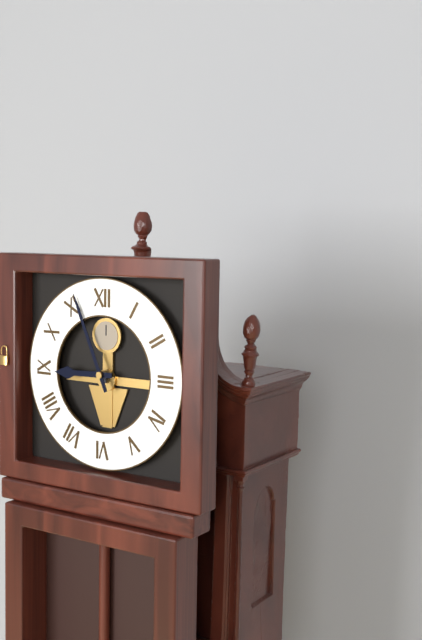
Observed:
{"hour": 8, "minute": 56}
